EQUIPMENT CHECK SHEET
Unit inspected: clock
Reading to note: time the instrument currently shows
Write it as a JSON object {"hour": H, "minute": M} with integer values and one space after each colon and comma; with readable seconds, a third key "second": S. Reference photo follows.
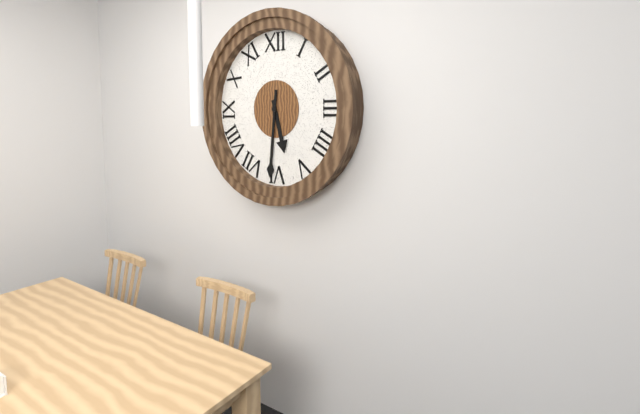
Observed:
{"hour": 5, "minute": 31}
